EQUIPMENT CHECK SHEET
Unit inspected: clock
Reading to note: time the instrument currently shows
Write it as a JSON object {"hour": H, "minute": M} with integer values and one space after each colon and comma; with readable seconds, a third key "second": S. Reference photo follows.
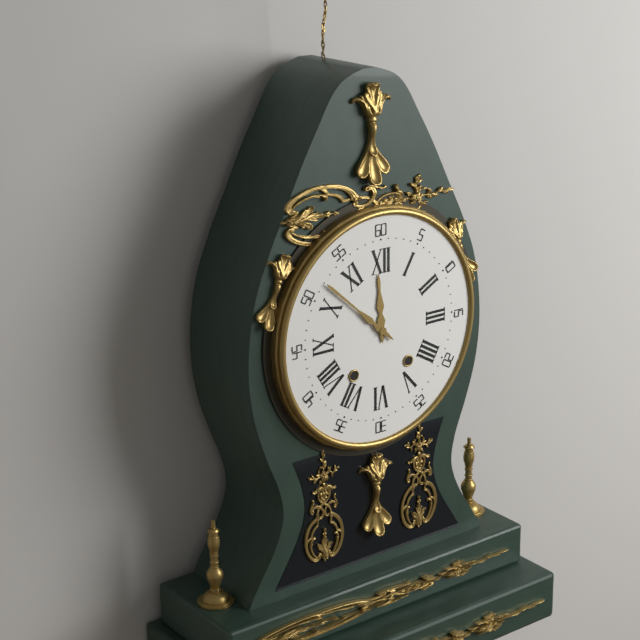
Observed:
{"hour": 11, "minute": 52}
